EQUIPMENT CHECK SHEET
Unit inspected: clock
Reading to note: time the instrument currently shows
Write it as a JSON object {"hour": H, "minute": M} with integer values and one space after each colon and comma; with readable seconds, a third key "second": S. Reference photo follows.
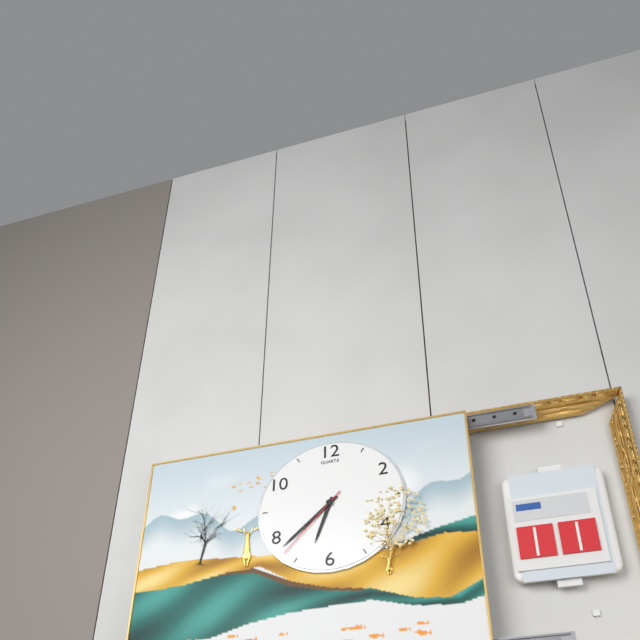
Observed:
{"hour": 6, "minute": 38, "second": 37}
